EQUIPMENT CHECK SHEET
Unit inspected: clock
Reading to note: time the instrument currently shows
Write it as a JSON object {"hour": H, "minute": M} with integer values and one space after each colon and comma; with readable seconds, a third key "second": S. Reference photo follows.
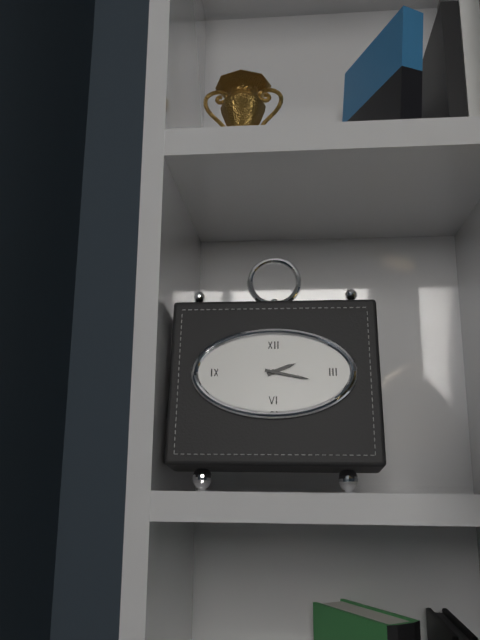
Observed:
{"hour": 2, "minute": 17}
